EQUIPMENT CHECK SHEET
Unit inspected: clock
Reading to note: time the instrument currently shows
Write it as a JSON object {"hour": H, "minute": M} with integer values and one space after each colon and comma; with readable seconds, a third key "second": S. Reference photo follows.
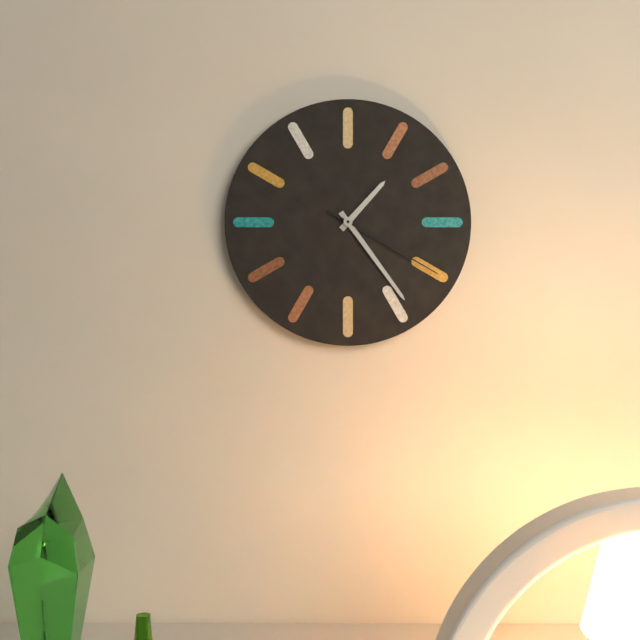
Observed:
{"hour": 1, "minute": 24, "second": 20}
